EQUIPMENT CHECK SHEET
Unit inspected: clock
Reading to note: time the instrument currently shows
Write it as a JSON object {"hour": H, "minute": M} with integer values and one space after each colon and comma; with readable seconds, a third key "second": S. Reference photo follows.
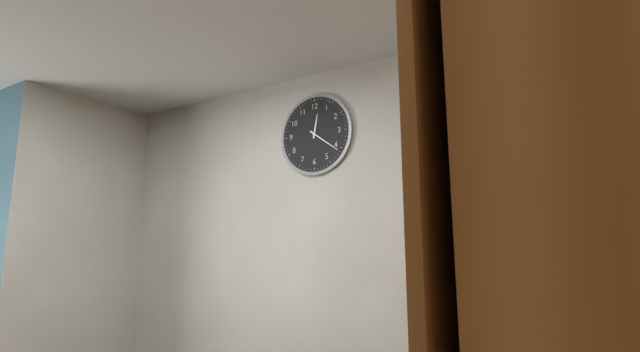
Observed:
{"hour": 12, "minute": 21}
